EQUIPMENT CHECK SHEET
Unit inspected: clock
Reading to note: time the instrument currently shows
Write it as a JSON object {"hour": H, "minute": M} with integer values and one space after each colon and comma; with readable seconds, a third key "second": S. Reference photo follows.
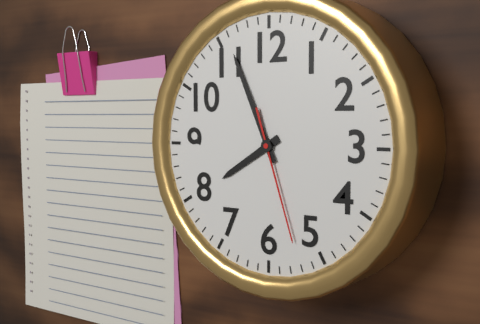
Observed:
{"hour": 7, "minute": 56, "second": 27}
